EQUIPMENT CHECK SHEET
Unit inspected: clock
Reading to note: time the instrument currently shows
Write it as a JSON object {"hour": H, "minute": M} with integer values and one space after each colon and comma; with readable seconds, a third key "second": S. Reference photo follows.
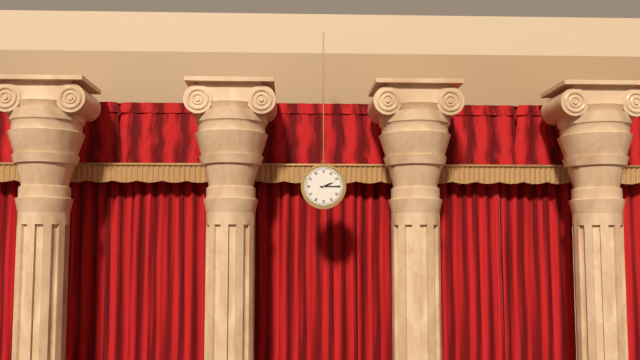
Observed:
{"hour": 2, "minute": 15}
